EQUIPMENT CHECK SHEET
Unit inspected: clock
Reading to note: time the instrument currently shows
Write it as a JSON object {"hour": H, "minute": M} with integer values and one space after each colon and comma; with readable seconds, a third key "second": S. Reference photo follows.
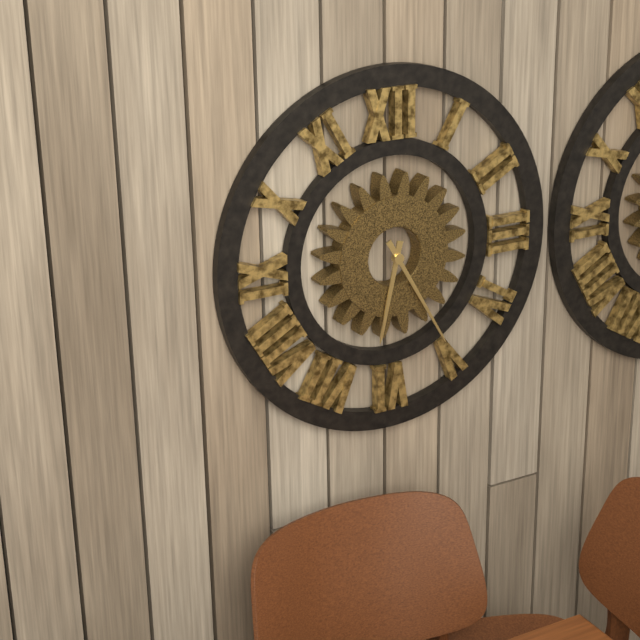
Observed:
{"hour": 6, "minute": 25}
